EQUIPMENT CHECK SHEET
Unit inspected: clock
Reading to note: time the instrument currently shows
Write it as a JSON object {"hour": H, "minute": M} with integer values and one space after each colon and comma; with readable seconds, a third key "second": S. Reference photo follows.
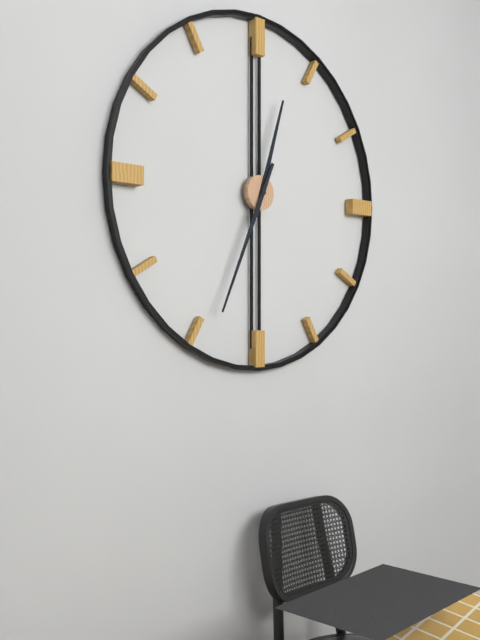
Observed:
{"hour": 12, "minute": 34}
